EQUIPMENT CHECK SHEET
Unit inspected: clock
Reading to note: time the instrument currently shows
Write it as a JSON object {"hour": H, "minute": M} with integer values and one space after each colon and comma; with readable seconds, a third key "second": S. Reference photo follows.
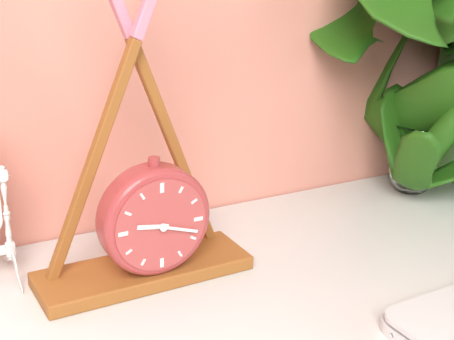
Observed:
{"hour": 9, "minute": 18}
